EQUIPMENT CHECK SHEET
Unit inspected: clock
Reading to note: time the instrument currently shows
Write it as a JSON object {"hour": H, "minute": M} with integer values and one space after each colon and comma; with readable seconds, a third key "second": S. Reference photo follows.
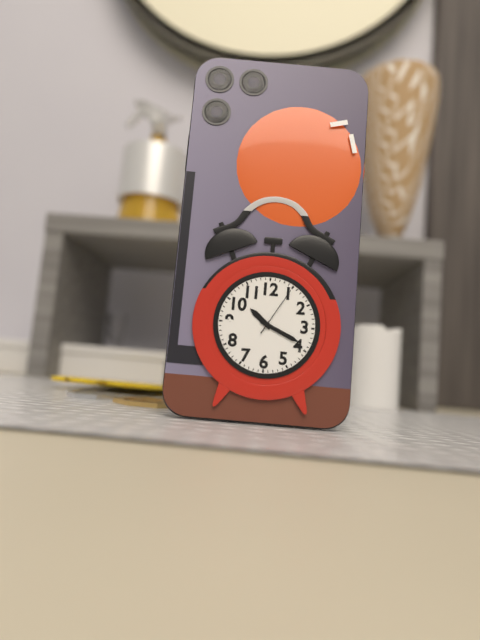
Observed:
{"hour": 10, "minute": 19, "second": 5}
